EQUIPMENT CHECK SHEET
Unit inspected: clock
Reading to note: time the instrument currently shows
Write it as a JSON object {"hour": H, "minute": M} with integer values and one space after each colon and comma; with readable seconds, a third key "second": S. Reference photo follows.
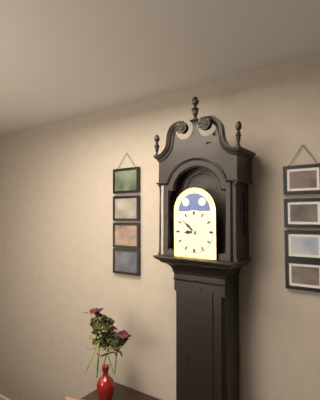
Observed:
{"hour": 8, "minute": 52}
